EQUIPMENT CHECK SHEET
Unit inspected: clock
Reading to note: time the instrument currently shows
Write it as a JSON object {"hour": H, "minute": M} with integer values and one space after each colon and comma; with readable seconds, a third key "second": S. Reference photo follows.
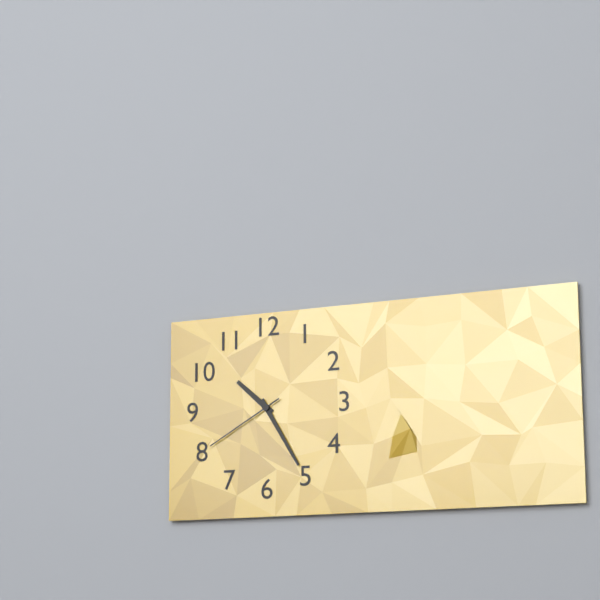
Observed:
{"hour": 10, "minute": 25, "second": 40}
